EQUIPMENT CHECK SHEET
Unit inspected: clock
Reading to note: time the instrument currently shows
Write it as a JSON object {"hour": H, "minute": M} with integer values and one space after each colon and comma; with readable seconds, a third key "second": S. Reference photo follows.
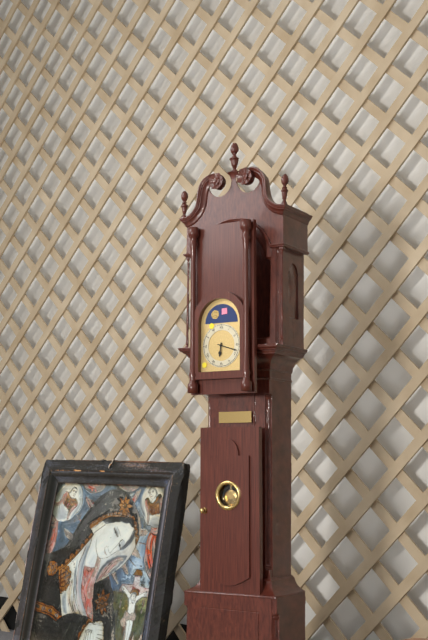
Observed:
{"hour": 6, "minute": 18}
